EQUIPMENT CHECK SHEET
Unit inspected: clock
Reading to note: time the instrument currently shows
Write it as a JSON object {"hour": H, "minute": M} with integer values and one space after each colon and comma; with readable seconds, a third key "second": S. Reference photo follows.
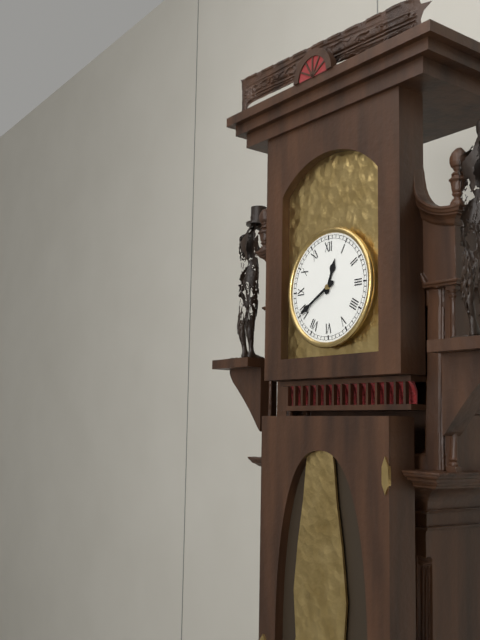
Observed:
{"hour": 12, "minute": 40}
